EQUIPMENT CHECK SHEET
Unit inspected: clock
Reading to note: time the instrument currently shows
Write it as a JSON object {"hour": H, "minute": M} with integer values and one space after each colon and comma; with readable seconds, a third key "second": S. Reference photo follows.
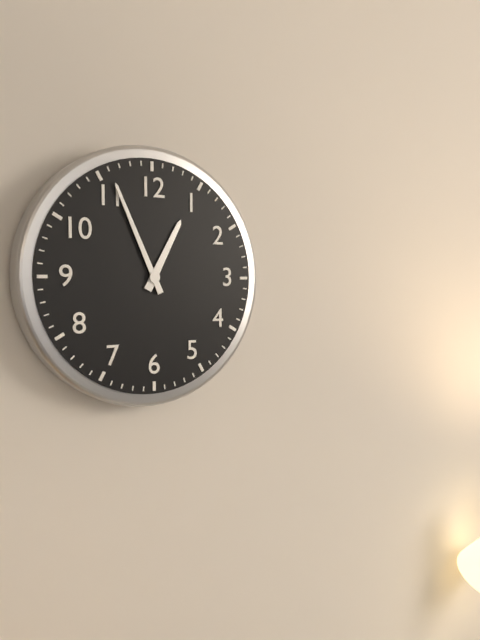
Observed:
{"hour": 12, "minute": 56}
